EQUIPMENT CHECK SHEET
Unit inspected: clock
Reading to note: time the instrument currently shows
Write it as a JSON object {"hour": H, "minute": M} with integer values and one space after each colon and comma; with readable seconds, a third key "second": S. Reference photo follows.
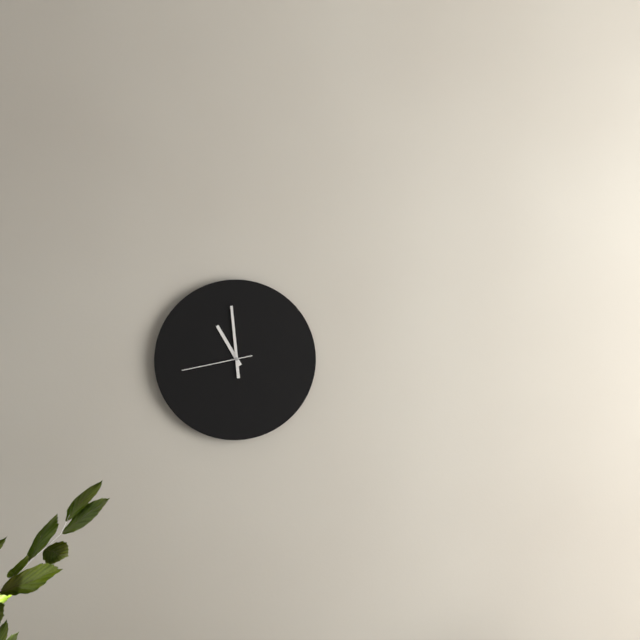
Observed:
{"hour": 10, "minute": 59, "second": 43}
